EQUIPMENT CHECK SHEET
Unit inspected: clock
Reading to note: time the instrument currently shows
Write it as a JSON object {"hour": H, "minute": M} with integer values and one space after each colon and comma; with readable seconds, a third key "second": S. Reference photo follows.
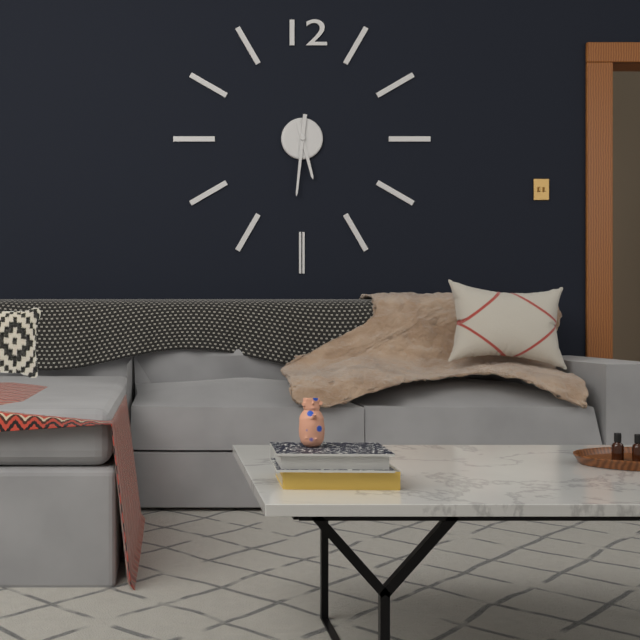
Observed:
{"hour": 5, "minute": 31}
